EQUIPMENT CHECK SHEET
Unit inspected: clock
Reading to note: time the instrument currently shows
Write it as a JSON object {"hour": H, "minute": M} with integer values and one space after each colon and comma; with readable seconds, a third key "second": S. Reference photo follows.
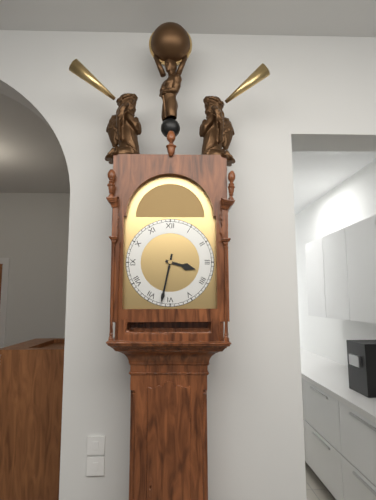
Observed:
{"hour": 3, "minute": 32}
